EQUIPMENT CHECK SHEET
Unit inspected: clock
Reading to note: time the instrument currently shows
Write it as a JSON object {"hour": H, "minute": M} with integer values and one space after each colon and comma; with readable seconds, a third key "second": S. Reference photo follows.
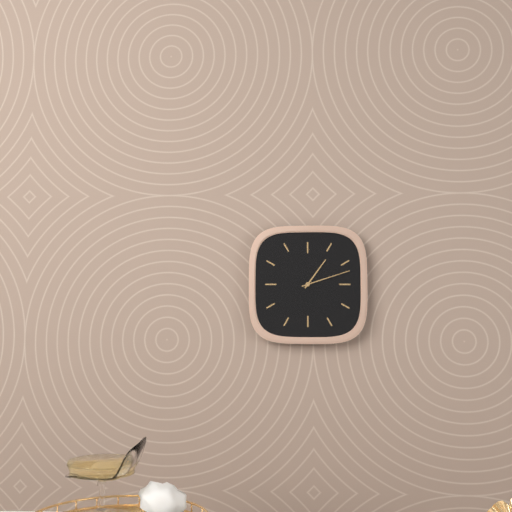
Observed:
{"hour": 1, "minute": 12}
